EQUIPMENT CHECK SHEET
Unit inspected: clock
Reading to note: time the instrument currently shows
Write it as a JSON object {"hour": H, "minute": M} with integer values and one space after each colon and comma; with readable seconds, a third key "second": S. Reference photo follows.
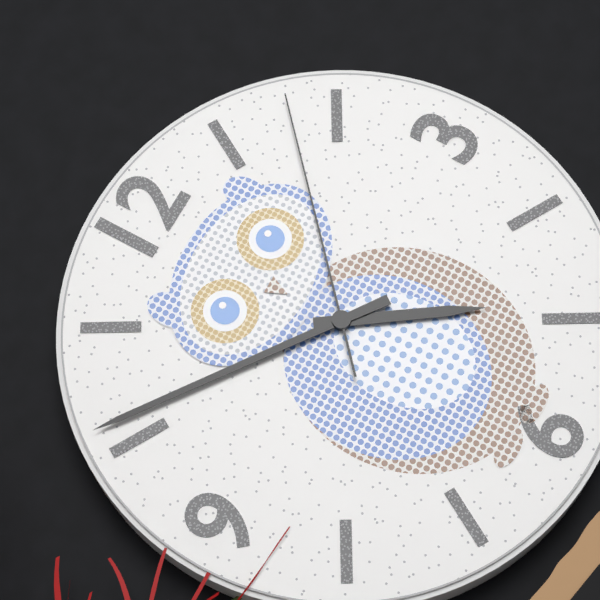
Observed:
{"hour": 4, "minute": 51, "second": 8}
